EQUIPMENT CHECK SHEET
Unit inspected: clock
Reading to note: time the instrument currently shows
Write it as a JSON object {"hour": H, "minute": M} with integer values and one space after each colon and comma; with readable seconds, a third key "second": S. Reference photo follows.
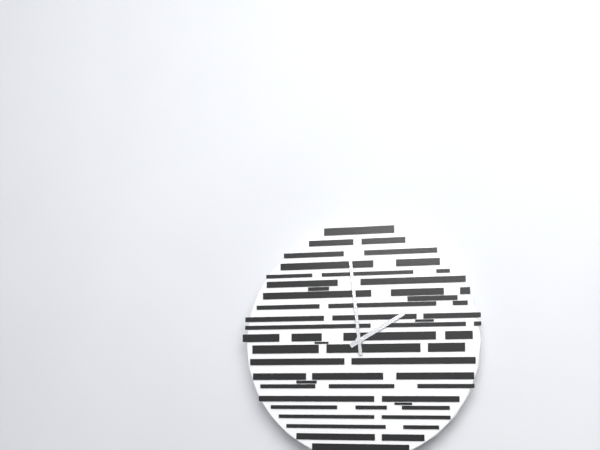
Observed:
{"hour": 1, "minute": 59}
